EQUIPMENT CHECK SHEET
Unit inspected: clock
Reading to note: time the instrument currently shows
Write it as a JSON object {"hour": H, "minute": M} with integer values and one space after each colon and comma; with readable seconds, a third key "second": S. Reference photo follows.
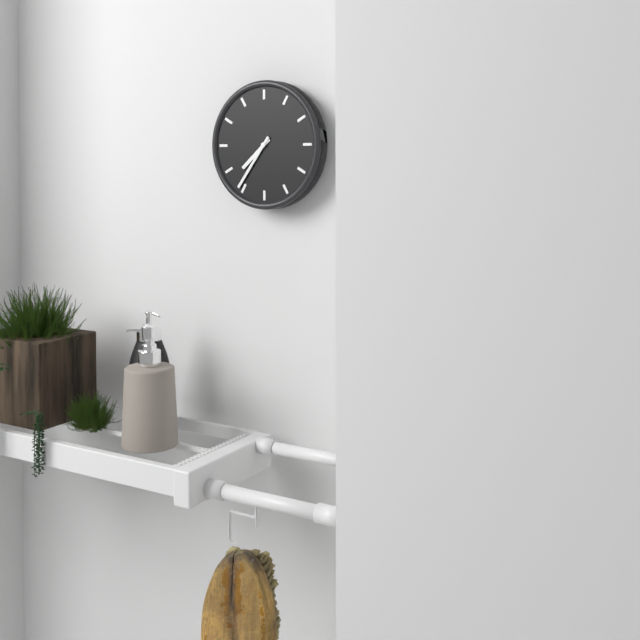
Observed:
{"hour": 7, "minute": 36}
